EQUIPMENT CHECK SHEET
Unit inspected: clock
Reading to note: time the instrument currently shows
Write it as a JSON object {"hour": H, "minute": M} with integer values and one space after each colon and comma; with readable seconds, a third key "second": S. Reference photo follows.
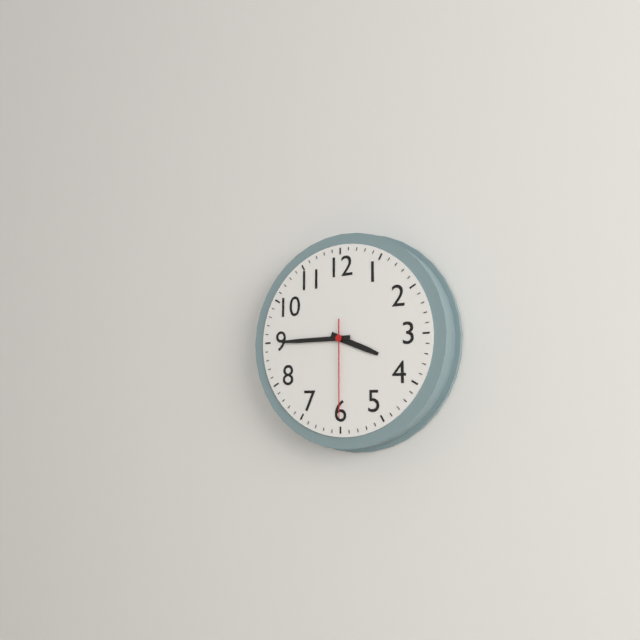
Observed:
{"hour": 3, "minute": 45, "second": 30}
